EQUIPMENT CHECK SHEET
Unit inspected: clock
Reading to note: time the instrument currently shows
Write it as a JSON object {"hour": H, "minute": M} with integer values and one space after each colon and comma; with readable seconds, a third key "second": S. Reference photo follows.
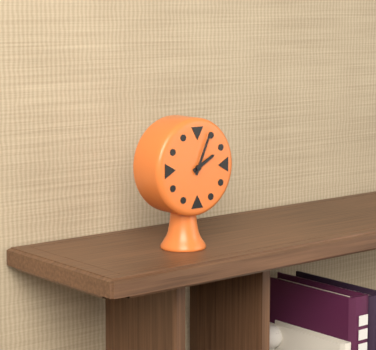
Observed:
{"hour": 2, "minute": 4}
